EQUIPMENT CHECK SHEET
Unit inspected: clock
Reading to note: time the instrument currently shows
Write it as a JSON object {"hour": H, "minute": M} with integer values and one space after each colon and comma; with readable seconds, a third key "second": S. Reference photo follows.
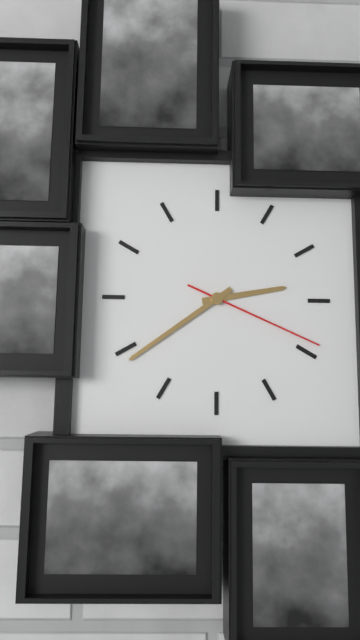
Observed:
{"hour": 2, "minute": 39, "second": 19}
